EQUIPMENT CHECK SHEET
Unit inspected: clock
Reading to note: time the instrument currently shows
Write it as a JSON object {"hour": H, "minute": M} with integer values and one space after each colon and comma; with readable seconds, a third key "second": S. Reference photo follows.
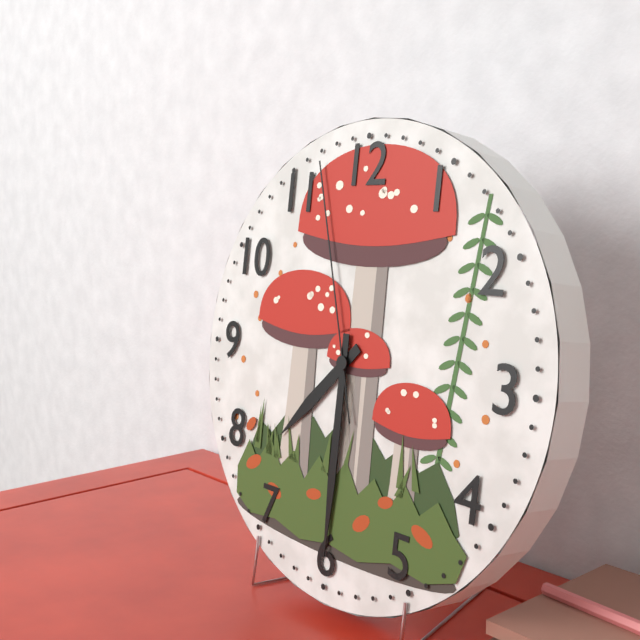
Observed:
{"hour": 7, "minute": 30, "second": 57}
